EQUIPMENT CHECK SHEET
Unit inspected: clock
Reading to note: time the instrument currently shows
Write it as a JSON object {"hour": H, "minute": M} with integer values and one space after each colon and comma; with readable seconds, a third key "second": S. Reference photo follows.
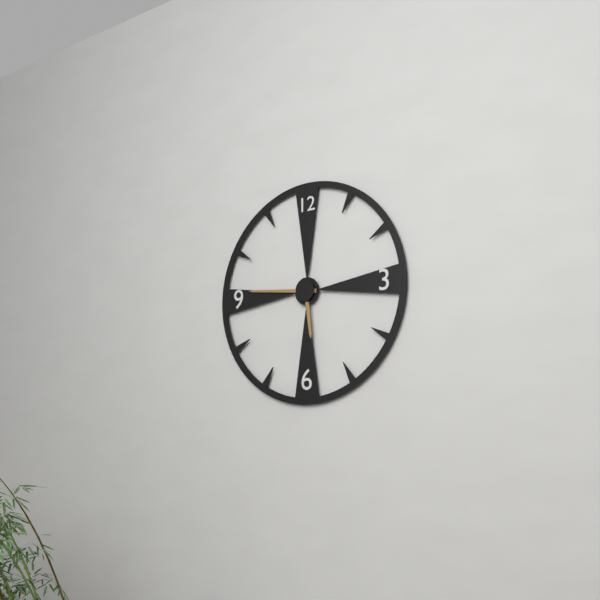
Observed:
{"hour": 5, "minute": 46}
